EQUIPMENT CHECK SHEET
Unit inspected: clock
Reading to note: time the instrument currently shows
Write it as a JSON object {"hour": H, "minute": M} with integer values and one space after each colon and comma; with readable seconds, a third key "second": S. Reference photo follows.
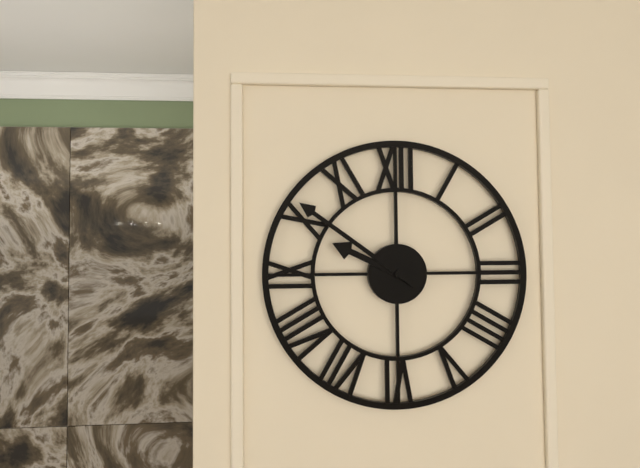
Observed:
{"hour": 9, "minute": 51}
